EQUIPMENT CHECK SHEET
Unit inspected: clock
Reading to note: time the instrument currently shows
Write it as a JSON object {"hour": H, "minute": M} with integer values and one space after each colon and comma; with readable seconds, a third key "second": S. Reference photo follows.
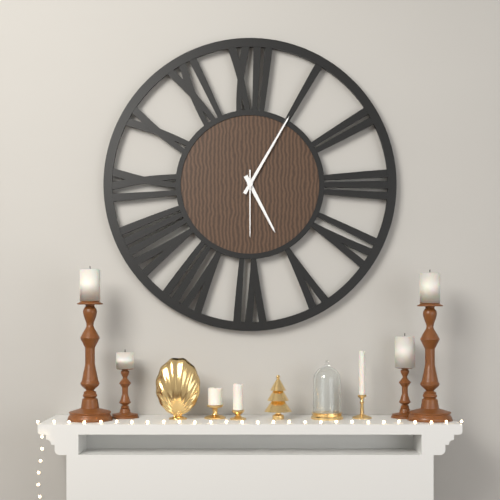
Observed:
{"hour": 5, "minute": 5, "second": 30}
